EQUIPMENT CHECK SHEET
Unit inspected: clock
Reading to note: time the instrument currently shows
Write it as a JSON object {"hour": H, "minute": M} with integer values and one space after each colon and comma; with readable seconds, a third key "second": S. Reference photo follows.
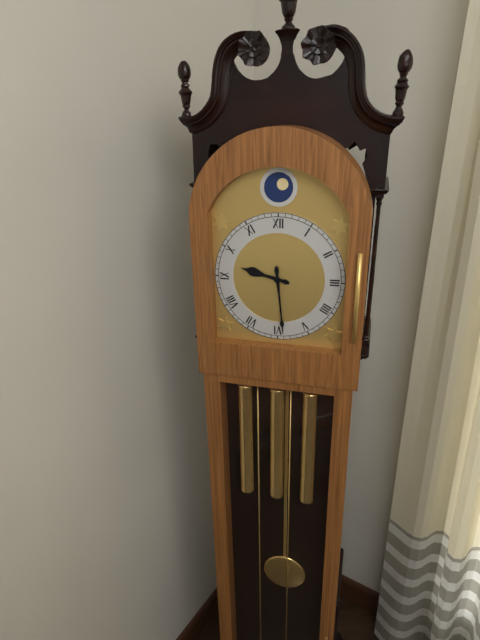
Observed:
{"hour": 9, "minute": 29}
